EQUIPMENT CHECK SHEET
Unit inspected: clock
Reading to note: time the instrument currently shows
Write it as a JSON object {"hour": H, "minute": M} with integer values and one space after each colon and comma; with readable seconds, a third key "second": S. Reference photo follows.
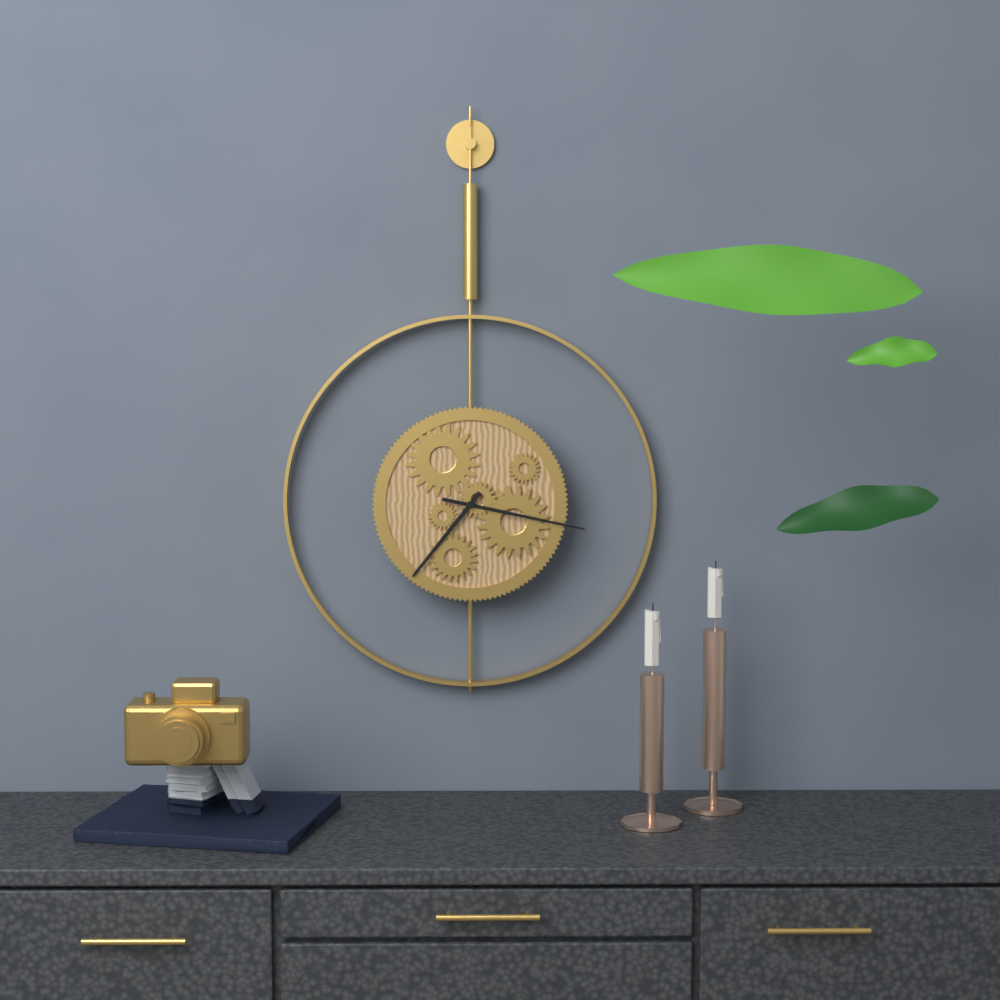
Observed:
{"hour": 7, "minute": 17}
